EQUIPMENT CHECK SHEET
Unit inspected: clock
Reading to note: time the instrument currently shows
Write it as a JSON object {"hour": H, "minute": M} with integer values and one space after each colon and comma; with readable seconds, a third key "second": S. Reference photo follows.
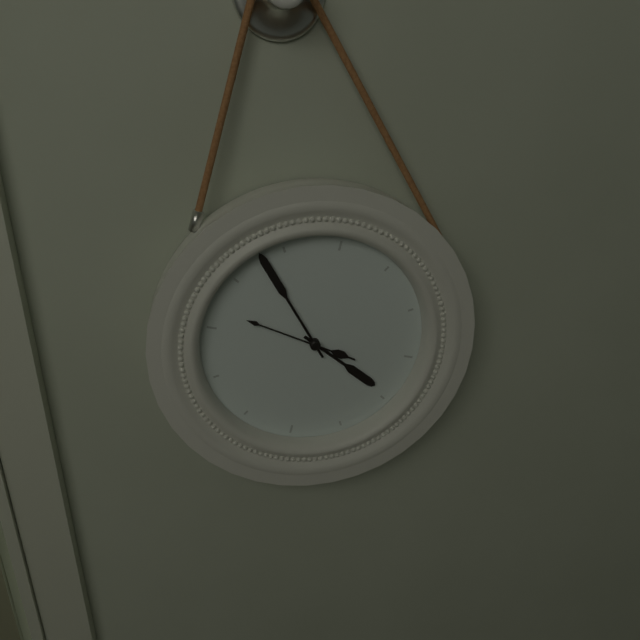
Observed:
{"hour": 3, "minute": 53, "second": 47}
